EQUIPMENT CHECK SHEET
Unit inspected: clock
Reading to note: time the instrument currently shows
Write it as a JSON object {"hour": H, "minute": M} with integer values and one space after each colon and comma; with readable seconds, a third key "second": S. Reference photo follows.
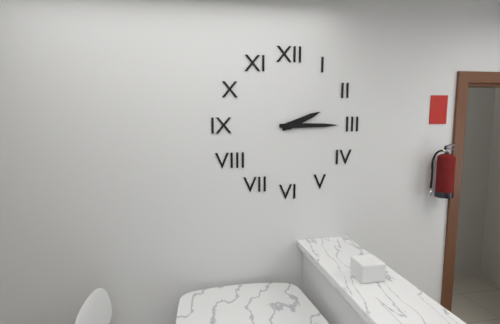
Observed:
{"hour": 2, "minute": 15}
